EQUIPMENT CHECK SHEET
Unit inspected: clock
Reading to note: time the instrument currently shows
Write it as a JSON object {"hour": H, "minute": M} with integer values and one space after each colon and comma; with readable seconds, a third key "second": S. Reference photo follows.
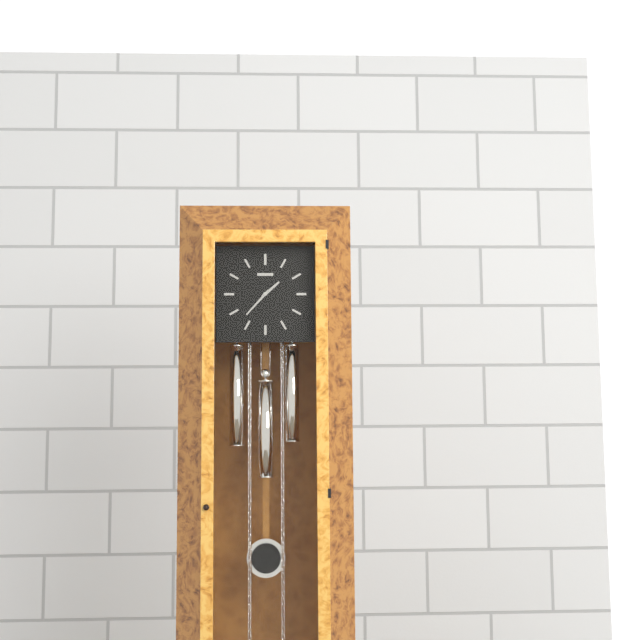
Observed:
{"hour": 1, "minute": 37}
